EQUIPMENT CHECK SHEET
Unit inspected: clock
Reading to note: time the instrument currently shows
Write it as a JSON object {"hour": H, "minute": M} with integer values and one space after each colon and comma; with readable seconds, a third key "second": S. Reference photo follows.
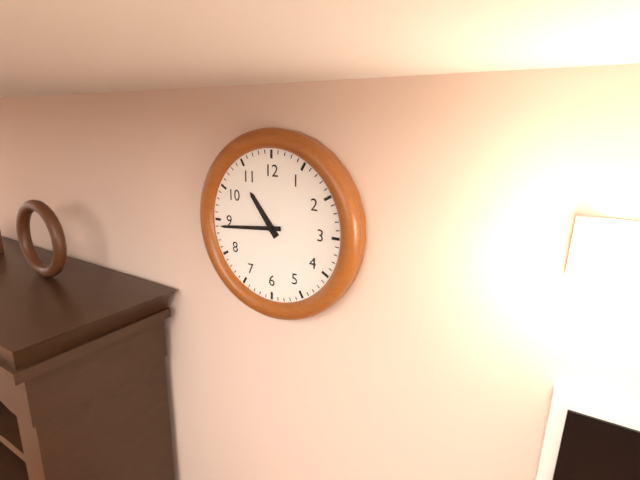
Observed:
{"hour": 10, "minute": 44}
